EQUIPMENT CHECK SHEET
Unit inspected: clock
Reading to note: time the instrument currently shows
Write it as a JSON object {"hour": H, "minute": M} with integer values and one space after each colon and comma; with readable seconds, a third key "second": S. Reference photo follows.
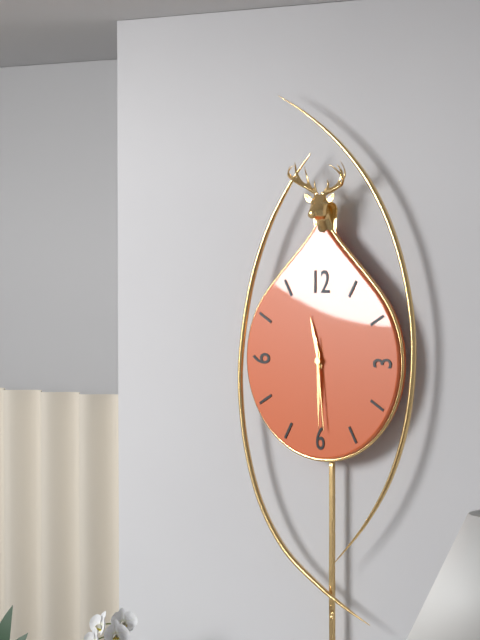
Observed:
{"hour": 11, "minute": 30, "second": 29}
